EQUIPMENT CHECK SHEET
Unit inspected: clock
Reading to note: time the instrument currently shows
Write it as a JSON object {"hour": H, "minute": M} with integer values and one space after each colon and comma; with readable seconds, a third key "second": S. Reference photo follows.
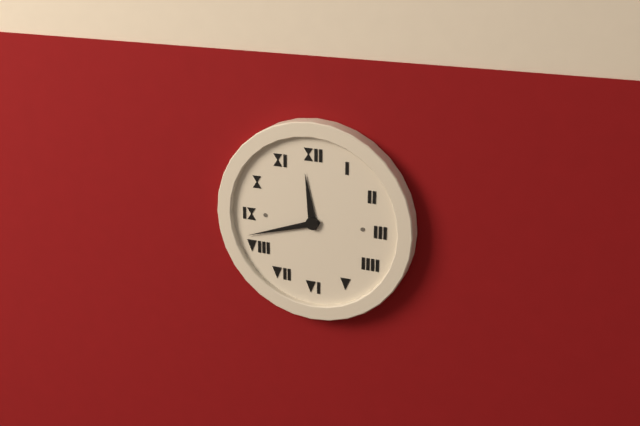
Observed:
{"hour": 11, "minute": 42}
